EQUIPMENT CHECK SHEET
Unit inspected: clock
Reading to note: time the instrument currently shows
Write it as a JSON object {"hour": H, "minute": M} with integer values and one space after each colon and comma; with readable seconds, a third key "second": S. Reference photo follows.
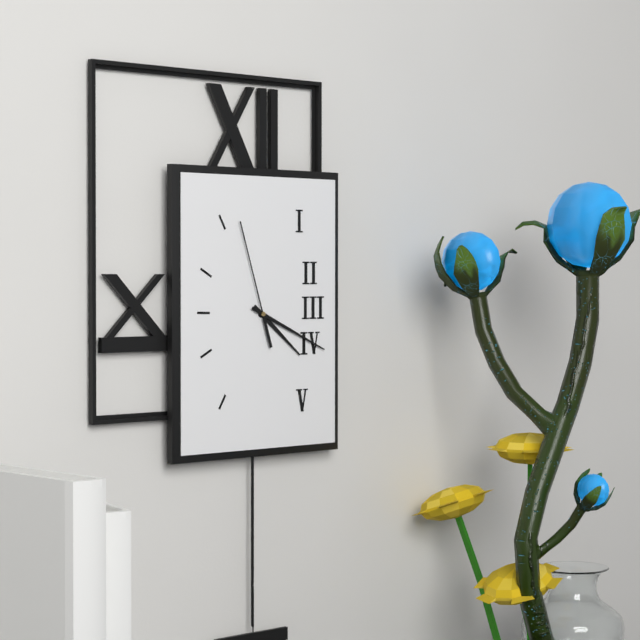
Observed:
{"hour": 4, "minute": 19, "second": 57}
